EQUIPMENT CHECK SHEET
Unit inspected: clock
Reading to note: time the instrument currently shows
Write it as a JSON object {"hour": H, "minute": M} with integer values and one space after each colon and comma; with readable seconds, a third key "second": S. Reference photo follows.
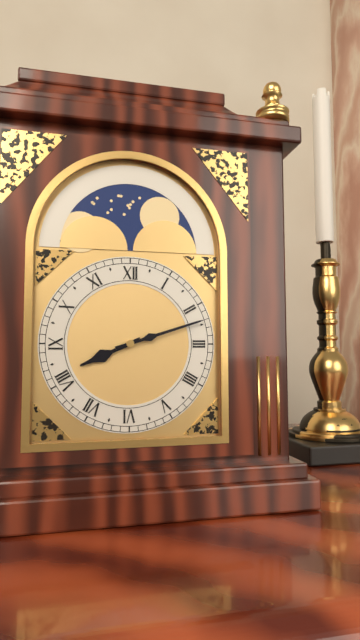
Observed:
{"hour": 8, "minute": 12}
